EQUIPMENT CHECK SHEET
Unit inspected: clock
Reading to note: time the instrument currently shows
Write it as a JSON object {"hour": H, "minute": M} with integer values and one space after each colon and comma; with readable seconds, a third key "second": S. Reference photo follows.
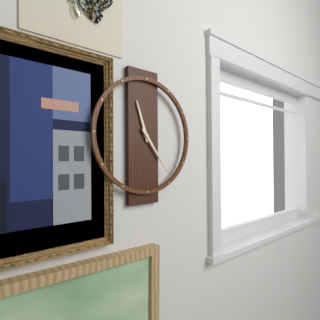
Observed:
{"hour": 11, "minute": 24}
